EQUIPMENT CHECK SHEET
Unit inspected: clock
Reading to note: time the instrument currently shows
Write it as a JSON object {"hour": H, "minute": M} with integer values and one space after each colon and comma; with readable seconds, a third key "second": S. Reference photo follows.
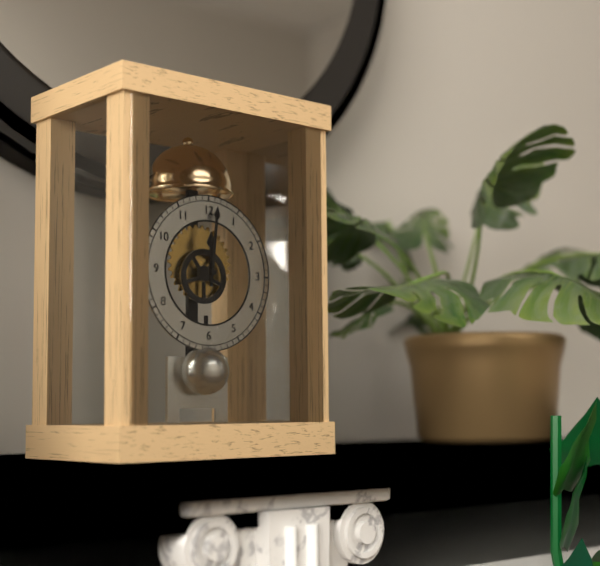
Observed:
{"hour": 12, "minute": 1}
